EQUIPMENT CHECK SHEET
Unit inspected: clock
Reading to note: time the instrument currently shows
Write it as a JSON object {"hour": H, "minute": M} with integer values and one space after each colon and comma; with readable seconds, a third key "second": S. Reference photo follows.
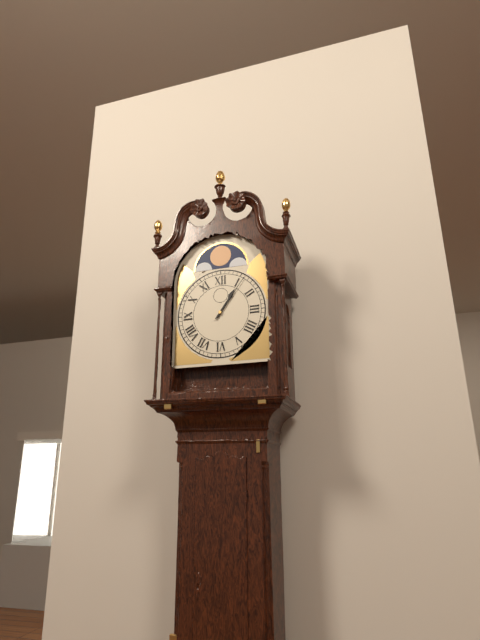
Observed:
{"hour": 1, "minute": 6}
